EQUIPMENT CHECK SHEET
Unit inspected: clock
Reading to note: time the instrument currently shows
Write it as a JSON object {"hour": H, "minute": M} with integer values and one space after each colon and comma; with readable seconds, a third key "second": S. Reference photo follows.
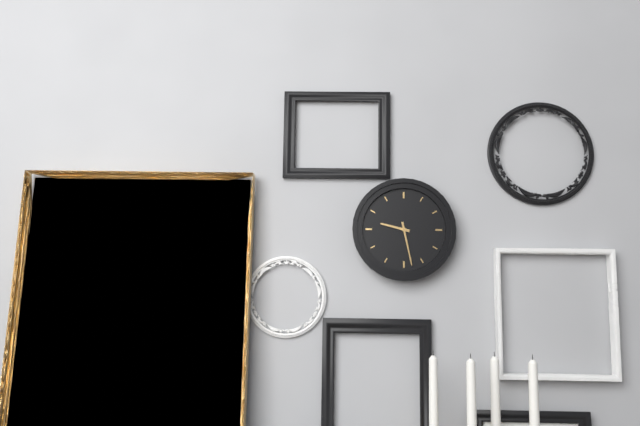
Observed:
{"hour": 9, "minute": 28}
